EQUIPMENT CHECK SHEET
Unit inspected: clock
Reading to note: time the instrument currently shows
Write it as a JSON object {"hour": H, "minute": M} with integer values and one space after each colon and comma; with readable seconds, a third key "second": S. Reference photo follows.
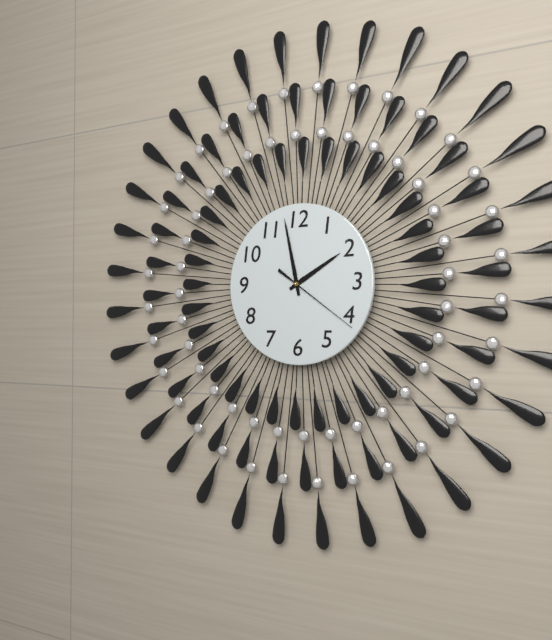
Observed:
{"hour": 1, "minute": 58, "second": 21}
